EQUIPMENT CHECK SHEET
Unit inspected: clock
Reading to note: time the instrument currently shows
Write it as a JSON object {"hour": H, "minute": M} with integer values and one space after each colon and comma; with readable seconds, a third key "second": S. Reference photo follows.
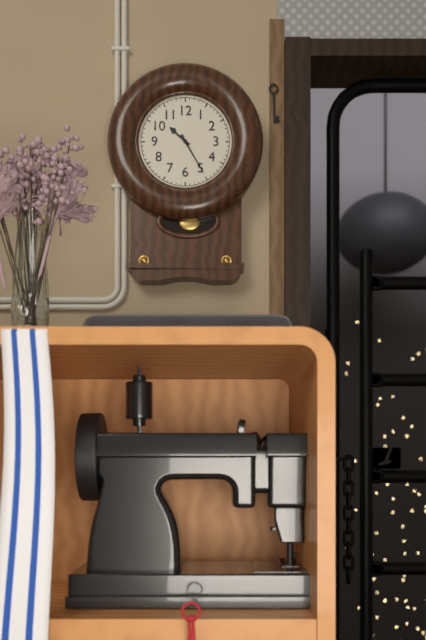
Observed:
{"hour": 10, "minute": 25}
